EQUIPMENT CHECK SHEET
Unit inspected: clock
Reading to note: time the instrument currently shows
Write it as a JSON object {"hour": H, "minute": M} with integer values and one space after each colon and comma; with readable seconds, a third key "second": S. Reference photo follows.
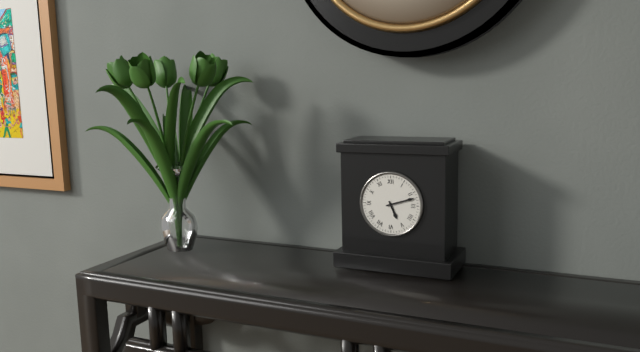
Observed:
{"hour": 5, "minute": 12}
